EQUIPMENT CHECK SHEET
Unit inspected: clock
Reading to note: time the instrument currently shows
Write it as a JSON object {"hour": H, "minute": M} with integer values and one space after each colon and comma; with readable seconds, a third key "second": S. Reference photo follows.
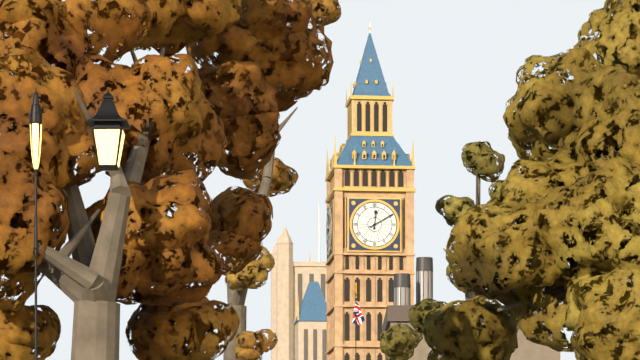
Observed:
{"hour": 12, "minute": 10}
